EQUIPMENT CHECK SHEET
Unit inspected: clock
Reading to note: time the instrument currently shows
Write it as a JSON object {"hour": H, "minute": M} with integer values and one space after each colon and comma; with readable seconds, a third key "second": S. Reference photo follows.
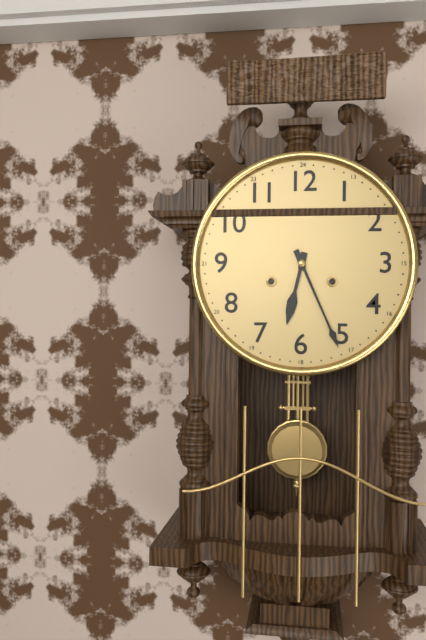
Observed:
{"hour": 6, "minute": 26}
